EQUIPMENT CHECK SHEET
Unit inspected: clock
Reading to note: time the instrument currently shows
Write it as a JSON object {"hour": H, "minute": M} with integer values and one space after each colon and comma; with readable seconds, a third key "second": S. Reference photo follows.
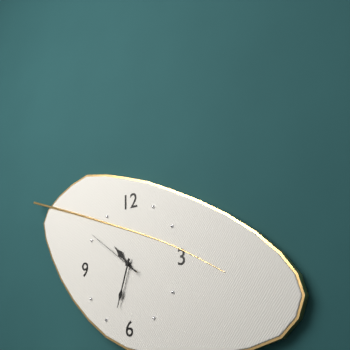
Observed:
{"hour": 10, "minute": 33, "second": 51}
